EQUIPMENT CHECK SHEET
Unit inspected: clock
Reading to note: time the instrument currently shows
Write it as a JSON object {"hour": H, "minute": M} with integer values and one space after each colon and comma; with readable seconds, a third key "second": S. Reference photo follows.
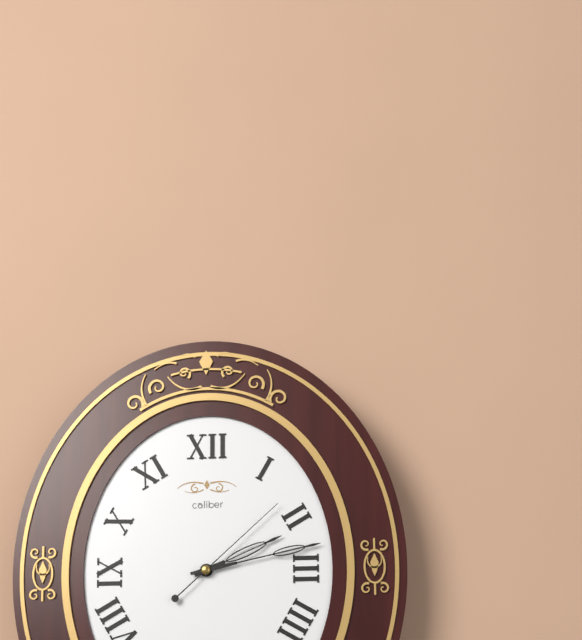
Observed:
{"hour": 2, "minute": 13, "second": 8}
